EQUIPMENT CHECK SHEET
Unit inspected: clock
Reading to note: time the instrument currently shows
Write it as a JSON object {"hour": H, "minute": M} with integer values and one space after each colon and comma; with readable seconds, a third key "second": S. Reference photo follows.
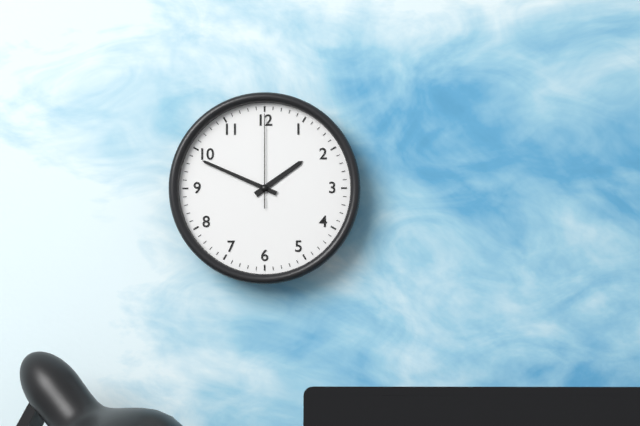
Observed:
{"hour": 1, "minute": 49, "second": 0}
